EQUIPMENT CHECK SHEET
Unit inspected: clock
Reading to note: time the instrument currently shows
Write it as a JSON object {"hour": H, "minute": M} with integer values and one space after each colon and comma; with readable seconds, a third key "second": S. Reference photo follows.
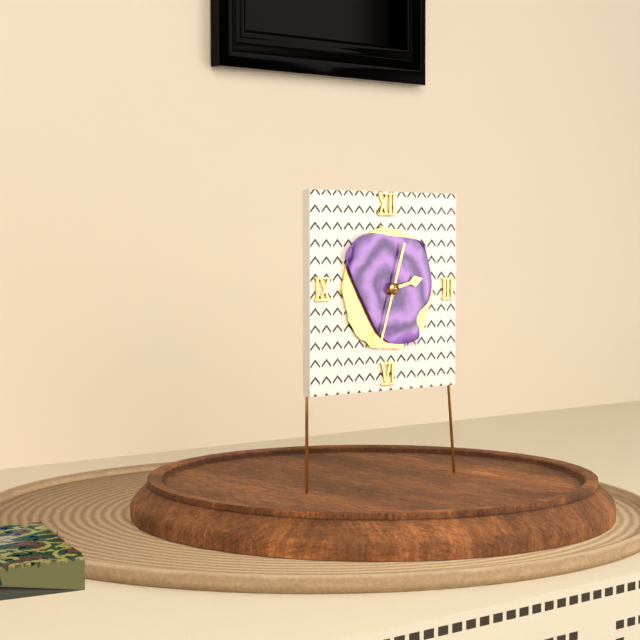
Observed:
{"hour": 2, "minute": 33}
